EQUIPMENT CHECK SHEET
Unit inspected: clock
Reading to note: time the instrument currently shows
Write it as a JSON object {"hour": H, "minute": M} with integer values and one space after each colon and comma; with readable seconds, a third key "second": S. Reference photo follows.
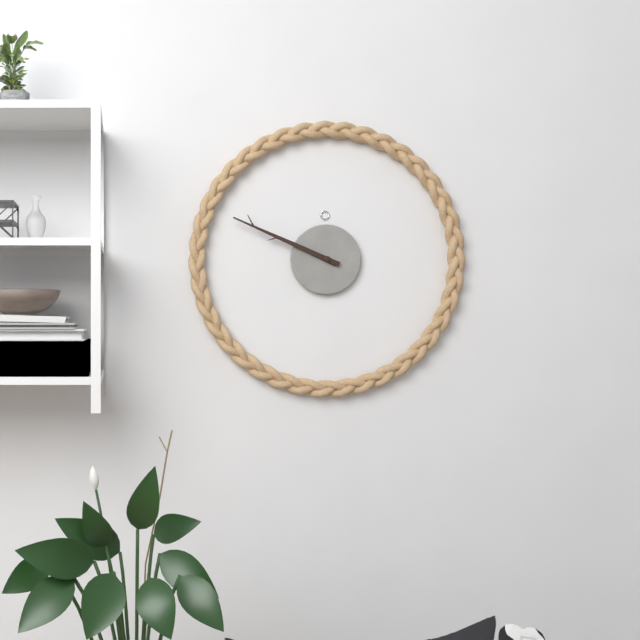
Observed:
{"hour": 9, "minute": 49}
